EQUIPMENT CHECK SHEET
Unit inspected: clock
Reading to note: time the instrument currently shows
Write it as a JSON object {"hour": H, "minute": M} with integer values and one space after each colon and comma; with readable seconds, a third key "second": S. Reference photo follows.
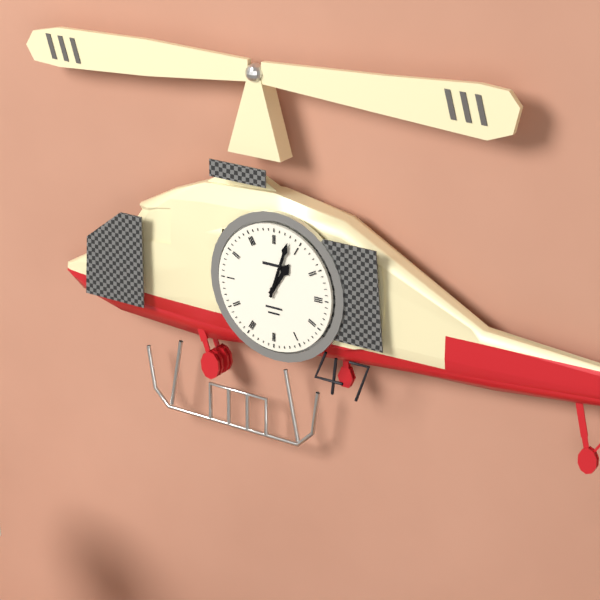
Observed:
{"hour": 1, "minute": 3}
